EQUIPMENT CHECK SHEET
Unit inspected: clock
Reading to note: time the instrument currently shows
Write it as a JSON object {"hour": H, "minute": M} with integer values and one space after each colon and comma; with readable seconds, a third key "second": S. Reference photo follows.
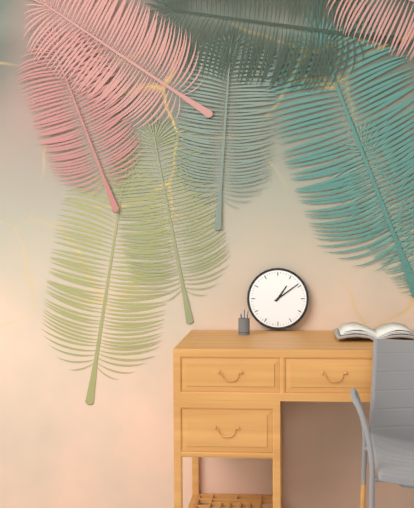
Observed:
{"hour": 1, "minute": 9}
